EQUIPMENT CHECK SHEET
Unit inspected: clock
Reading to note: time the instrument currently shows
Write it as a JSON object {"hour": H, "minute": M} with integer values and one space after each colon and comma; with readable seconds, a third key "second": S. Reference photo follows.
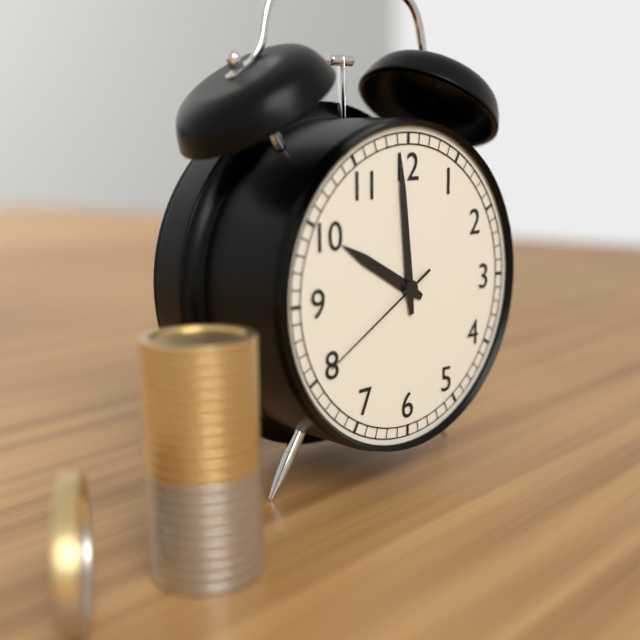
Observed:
{"hour": 9, "minute": 59, "second": 40}
